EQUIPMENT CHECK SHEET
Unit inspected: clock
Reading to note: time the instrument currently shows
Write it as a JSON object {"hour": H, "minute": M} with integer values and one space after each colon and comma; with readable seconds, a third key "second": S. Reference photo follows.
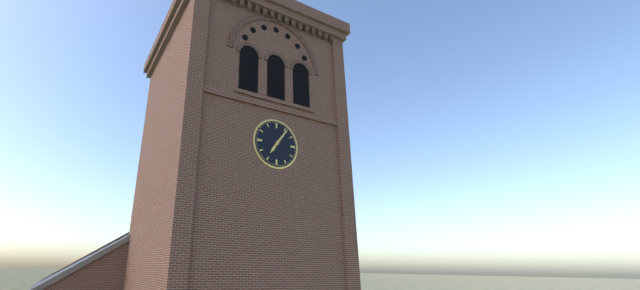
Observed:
{"hour": 7, "minute": 6}
